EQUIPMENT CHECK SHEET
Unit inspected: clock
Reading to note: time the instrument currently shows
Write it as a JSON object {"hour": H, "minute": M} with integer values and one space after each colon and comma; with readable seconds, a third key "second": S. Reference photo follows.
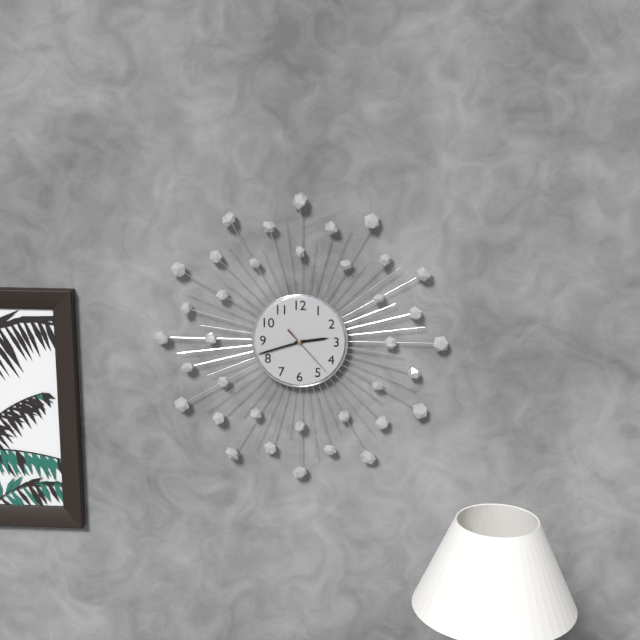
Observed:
{"hour": 2, "minute": 42, "second": 23}
